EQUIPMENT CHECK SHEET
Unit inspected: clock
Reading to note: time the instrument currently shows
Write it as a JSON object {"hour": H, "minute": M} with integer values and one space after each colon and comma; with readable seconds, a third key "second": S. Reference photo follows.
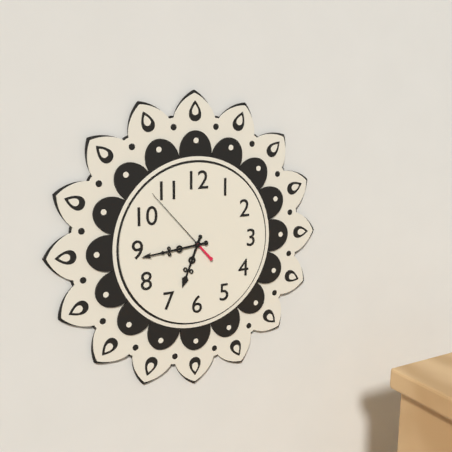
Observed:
{"hour": 6, "minute": 44, "second": 53}
